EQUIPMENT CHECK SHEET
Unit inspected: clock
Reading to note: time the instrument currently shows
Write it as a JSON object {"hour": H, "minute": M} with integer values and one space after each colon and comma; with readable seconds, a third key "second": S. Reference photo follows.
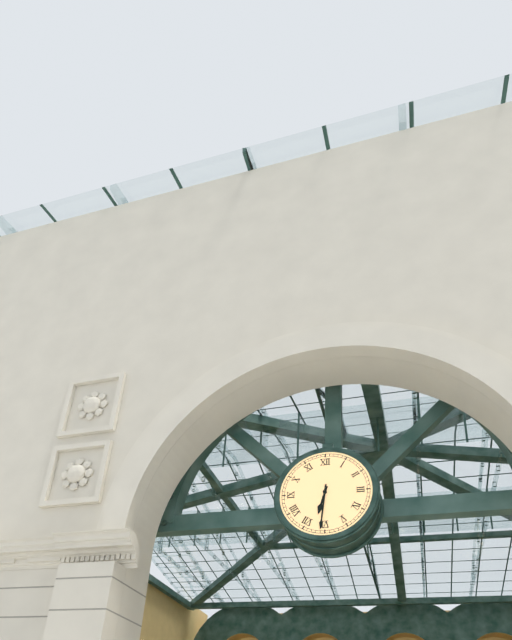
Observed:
{"hour": 6, "minute": 31}
